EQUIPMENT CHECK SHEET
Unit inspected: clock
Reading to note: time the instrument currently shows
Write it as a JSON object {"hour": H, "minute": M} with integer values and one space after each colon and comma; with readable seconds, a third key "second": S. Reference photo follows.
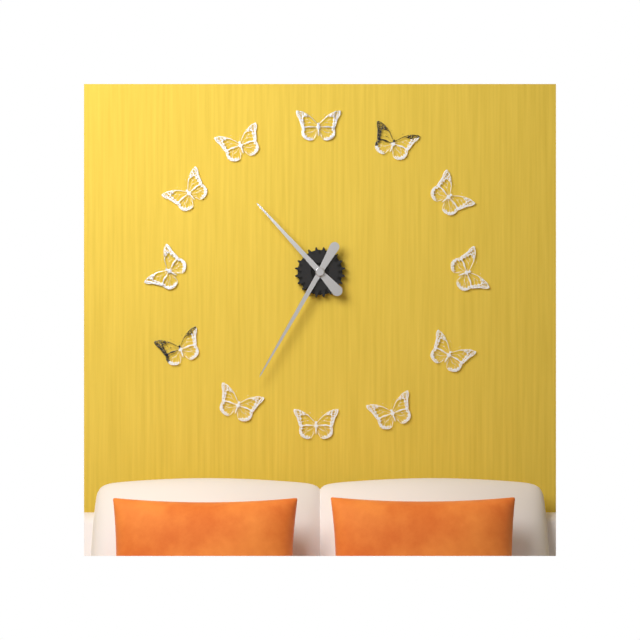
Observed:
{"hour": 10, "minute": 35}
